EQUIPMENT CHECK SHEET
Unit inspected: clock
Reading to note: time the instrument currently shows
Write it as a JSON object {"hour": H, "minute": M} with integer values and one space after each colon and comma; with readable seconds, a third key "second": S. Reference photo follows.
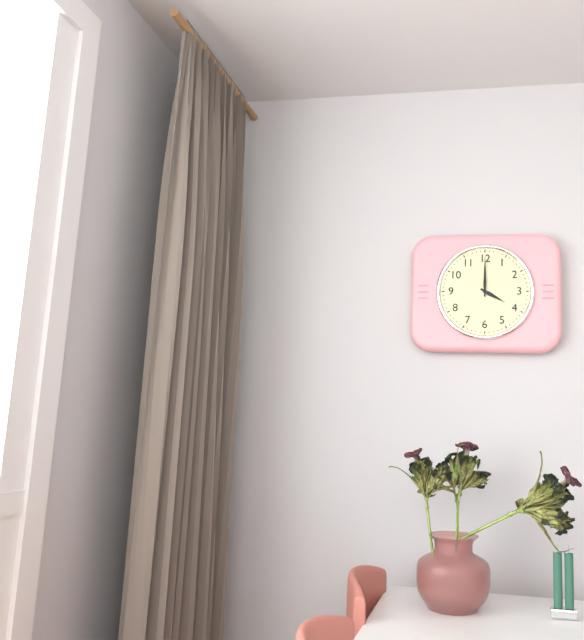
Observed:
{"hour": 4, "minute": 0}
